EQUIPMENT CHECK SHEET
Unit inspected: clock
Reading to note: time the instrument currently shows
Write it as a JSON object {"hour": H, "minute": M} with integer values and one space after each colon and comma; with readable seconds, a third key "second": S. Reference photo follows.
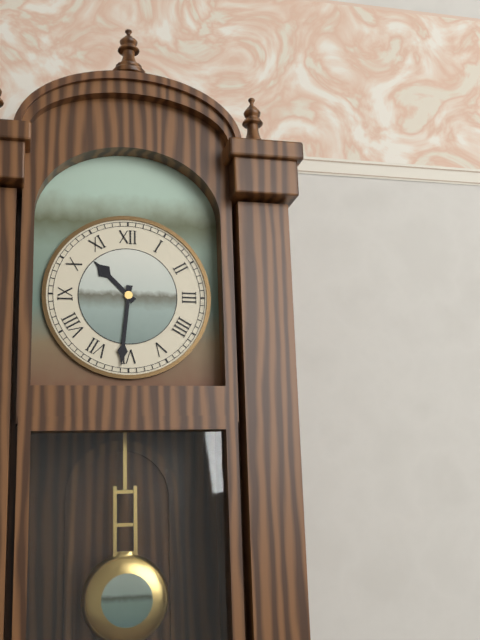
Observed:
{"hour": 10, "minute": 31}
